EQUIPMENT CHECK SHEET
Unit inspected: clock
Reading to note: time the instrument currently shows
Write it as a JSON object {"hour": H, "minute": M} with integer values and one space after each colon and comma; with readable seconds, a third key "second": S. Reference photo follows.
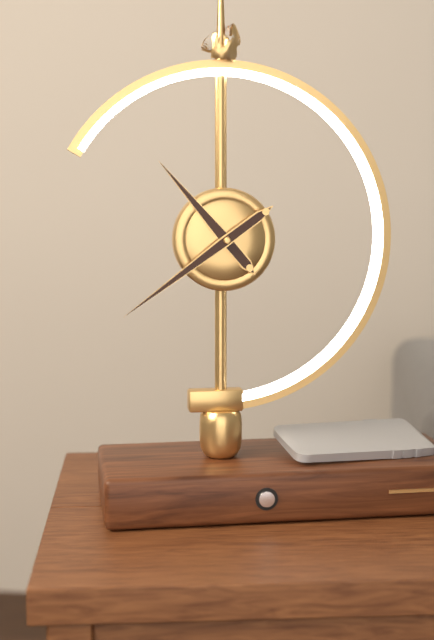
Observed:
{"hour": 10, "minute": 39}
